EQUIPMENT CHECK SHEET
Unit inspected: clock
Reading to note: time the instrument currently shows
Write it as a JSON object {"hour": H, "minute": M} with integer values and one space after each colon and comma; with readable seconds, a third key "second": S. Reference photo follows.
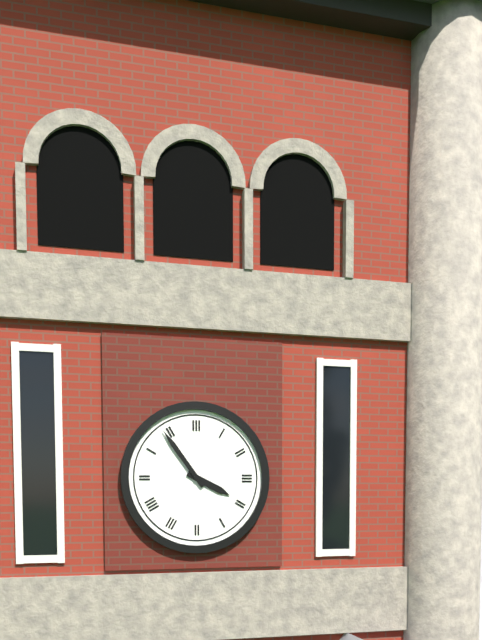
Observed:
{"hour": 3, "minute": 54}
